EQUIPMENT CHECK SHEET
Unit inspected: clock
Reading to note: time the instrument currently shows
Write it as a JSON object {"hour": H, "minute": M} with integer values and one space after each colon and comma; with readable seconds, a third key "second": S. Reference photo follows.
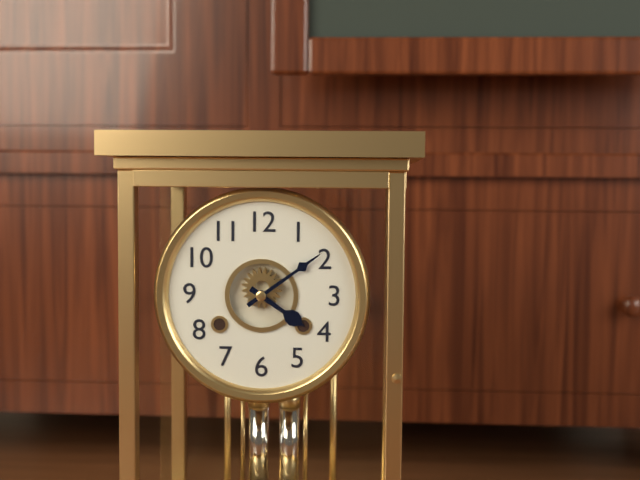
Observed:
{"hour": 4, "minute": 9}
